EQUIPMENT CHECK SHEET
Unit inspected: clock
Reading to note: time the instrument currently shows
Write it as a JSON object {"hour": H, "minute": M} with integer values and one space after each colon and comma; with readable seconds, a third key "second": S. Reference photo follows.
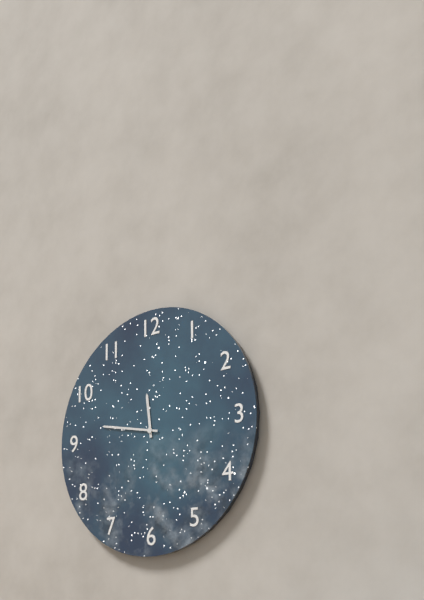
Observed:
{"hour": 11, "minute": 47}
